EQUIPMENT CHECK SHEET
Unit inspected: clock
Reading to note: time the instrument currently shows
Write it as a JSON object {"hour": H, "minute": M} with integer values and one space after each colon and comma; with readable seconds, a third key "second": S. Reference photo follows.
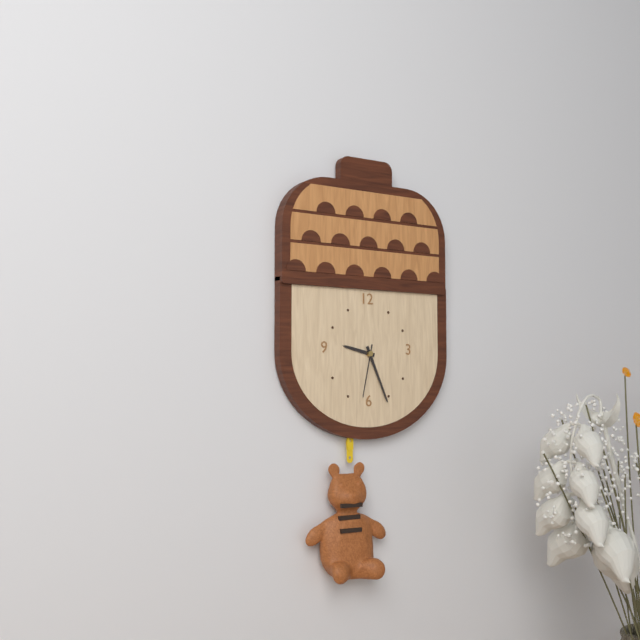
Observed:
{"hour": 9, "minute": 26, "second": 32}
